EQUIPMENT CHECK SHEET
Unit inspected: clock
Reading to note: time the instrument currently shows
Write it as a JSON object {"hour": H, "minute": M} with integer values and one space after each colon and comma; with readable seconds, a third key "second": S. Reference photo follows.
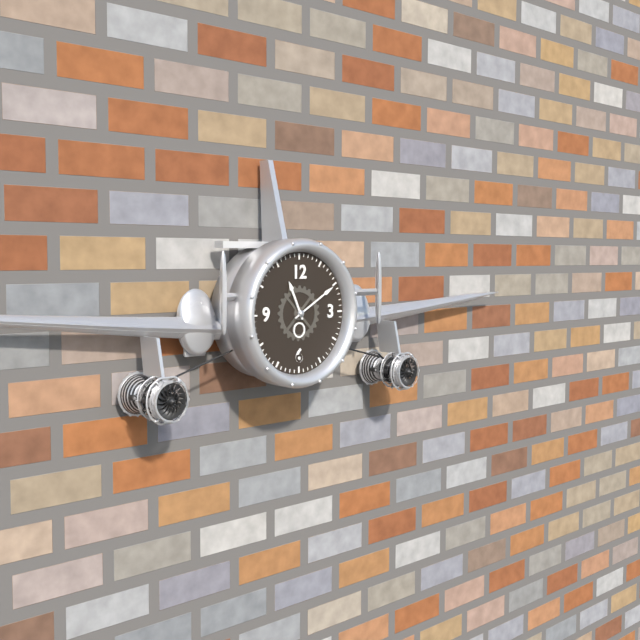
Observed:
{"hour": 11, "minute": 10}
